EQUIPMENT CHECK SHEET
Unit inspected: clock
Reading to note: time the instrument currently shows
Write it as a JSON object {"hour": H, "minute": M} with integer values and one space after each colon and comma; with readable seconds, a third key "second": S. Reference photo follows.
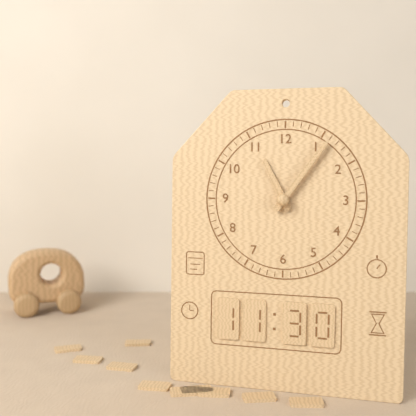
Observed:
{"hour": 11, "minute": 6}
